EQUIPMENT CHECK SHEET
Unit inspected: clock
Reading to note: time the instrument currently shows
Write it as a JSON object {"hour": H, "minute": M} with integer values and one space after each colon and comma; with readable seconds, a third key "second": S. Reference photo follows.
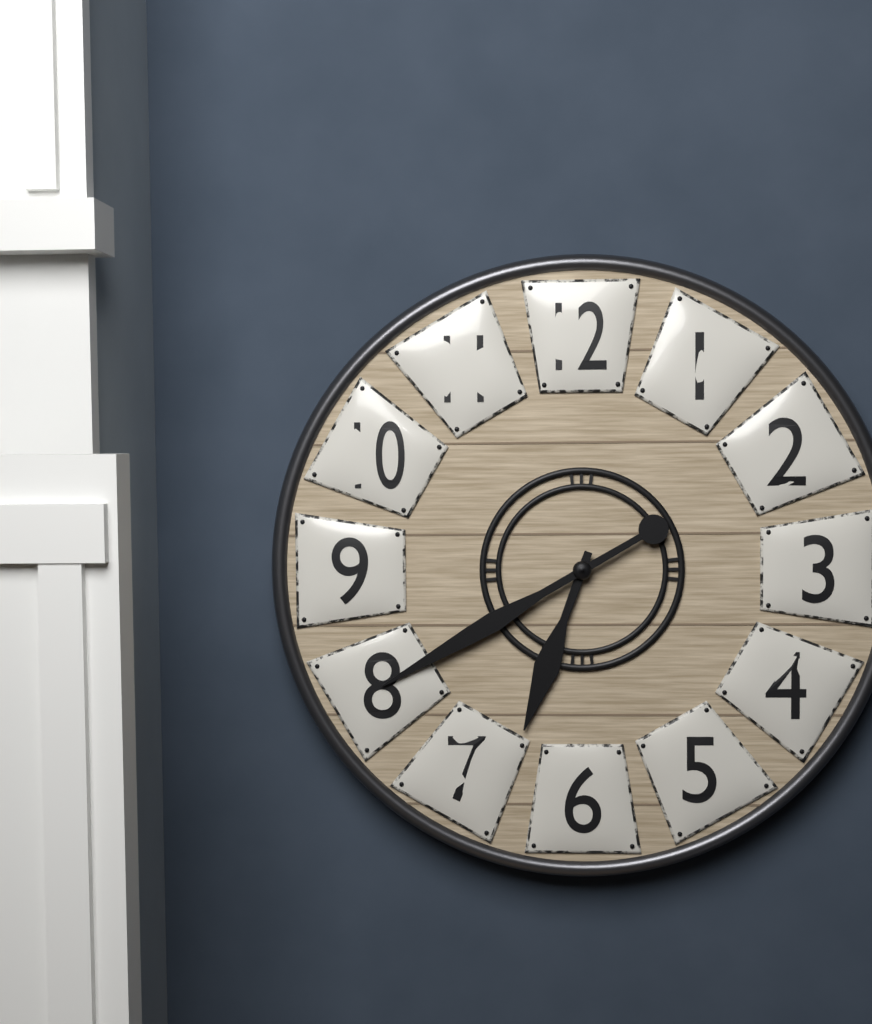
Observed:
{"hour": 6, "minute": 40}
